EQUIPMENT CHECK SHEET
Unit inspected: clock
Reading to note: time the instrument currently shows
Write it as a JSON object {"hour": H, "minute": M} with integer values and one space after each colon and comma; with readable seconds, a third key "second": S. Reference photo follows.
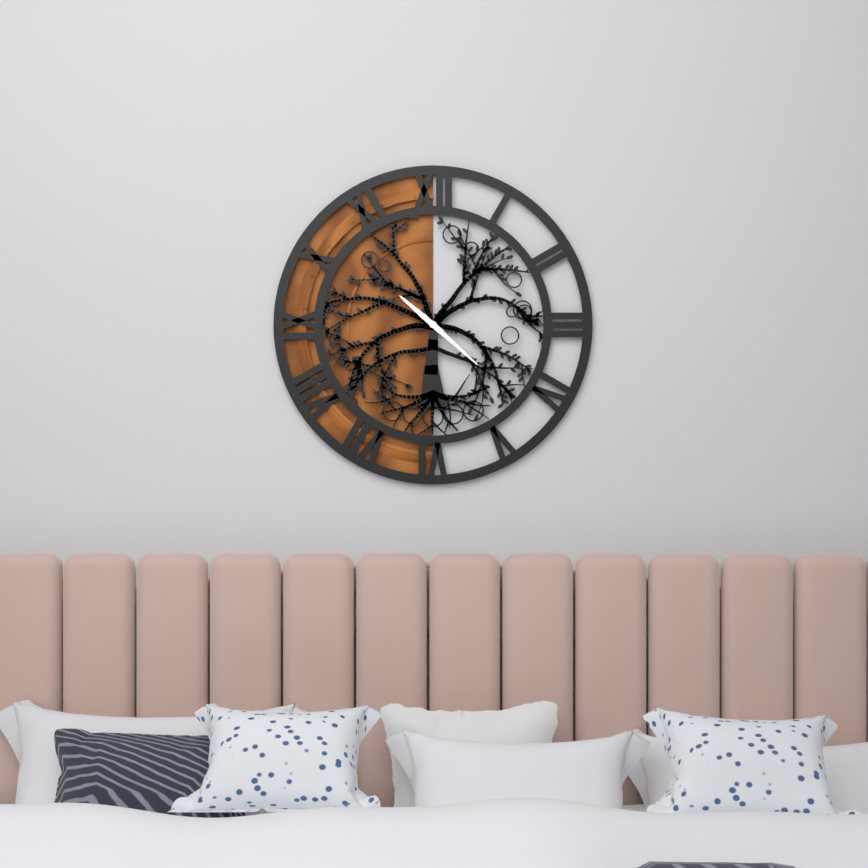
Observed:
{"hour": 10, "minute": 22}
